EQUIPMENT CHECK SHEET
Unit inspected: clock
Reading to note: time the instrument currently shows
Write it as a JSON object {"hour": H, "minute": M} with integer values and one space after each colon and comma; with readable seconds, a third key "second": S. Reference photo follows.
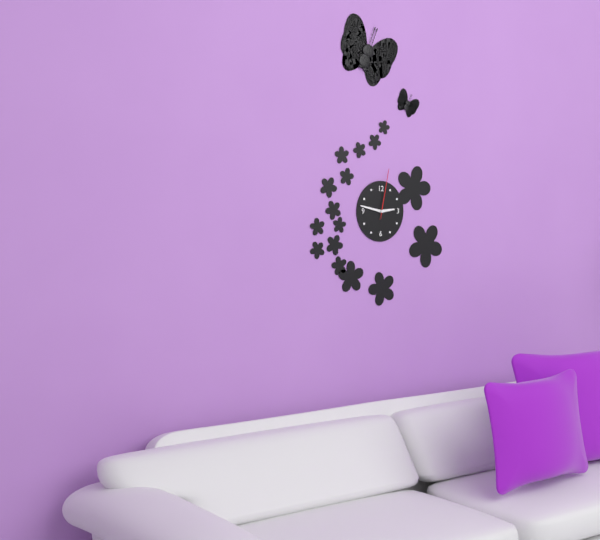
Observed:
{"hour": 2, "minute": 47, "second": 2}
